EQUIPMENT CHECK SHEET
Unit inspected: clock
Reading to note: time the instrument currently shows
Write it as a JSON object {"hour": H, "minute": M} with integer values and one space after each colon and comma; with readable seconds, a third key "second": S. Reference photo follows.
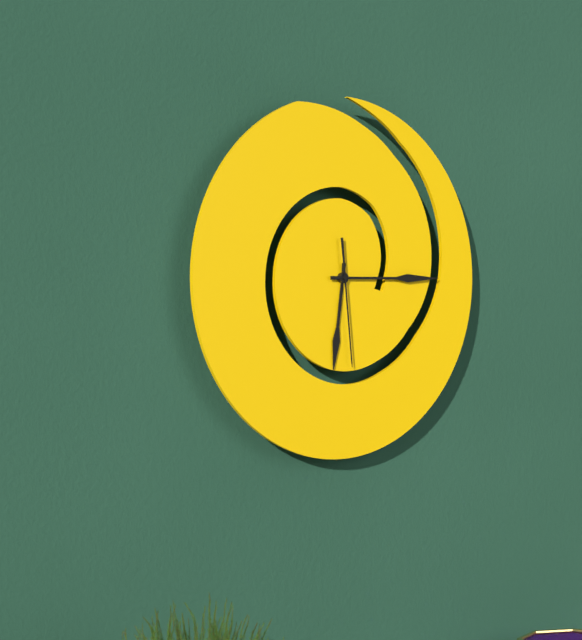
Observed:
{"hour": 6, "minute": 15, "second": 29}
